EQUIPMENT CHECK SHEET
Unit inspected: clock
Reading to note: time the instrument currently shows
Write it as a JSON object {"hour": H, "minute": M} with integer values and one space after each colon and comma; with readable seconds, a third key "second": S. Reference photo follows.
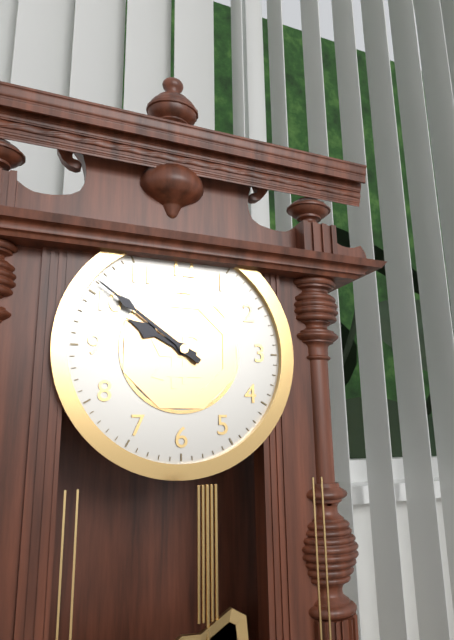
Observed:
{"hour": 9, "minute": 51}
